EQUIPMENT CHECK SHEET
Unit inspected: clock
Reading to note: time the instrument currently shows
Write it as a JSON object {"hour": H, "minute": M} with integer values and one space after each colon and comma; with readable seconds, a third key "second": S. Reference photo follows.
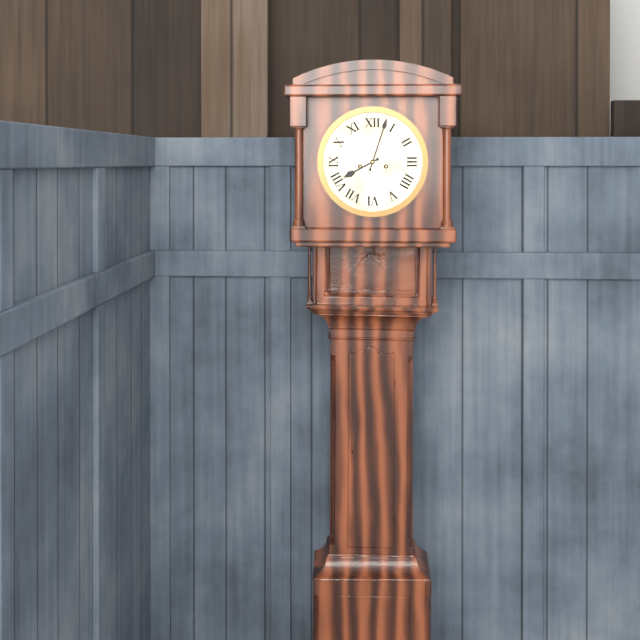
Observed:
{"hour": 8, "minute": 3}
